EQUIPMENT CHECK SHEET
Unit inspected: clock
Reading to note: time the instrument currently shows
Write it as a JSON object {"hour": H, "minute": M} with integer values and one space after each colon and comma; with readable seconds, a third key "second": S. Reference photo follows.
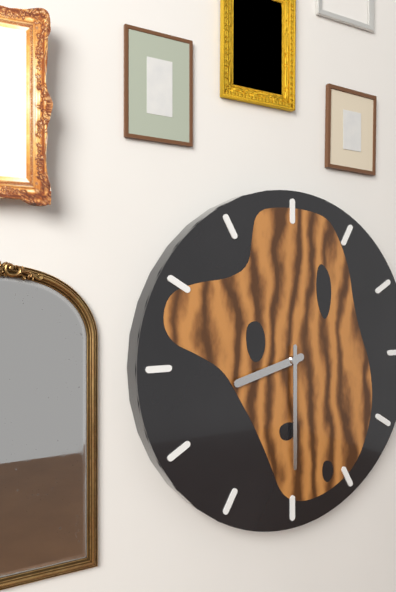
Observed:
{"hour": 8, "minute": 30}
